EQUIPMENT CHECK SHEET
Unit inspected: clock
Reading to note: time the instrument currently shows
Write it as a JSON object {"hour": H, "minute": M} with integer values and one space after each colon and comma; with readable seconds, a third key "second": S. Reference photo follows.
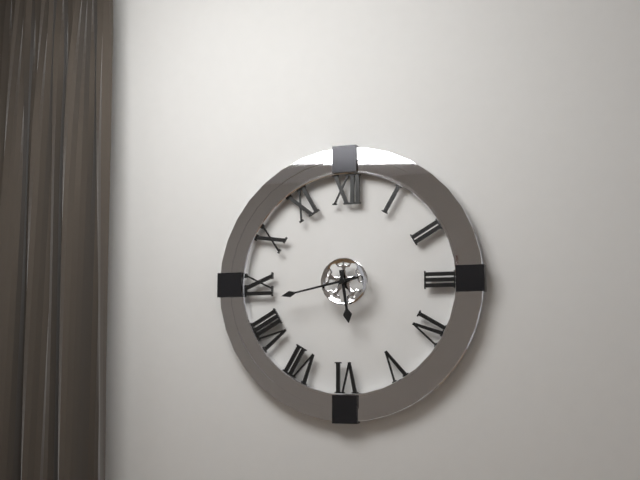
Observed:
{"hour": 5, "minute": 43}
